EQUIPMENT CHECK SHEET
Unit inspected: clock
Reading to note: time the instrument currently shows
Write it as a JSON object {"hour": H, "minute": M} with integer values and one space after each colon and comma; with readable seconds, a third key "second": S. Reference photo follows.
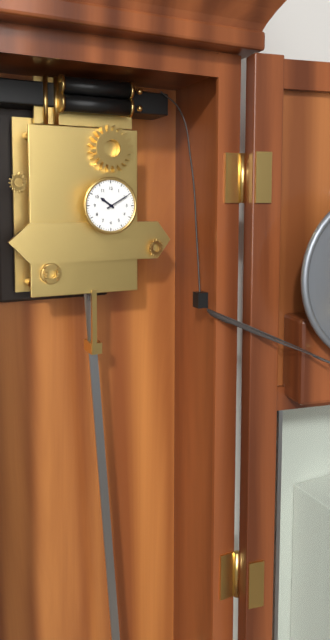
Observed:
{"hour": 10, "minute": 10}
